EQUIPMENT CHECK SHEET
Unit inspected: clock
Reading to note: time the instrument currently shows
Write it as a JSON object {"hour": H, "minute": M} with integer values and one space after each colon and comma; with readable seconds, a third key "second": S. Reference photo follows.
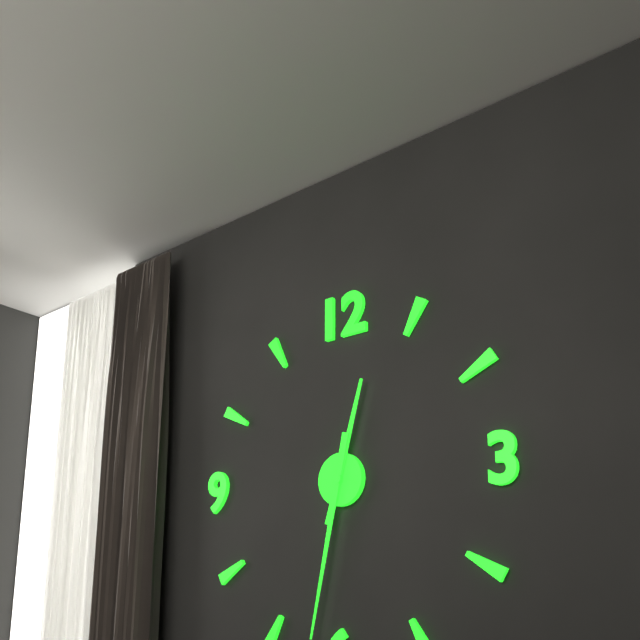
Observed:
{"hour": 12, "minute": 32}
